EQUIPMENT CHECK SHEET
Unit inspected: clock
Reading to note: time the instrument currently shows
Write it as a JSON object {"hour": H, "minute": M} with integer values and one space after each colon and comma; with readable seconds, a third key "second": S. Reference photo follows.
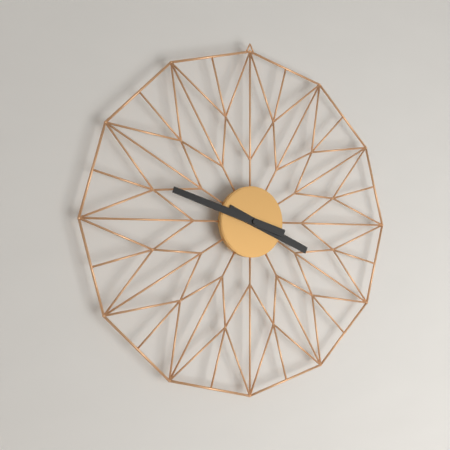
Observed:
{"hour": 3, "minute": 48}
